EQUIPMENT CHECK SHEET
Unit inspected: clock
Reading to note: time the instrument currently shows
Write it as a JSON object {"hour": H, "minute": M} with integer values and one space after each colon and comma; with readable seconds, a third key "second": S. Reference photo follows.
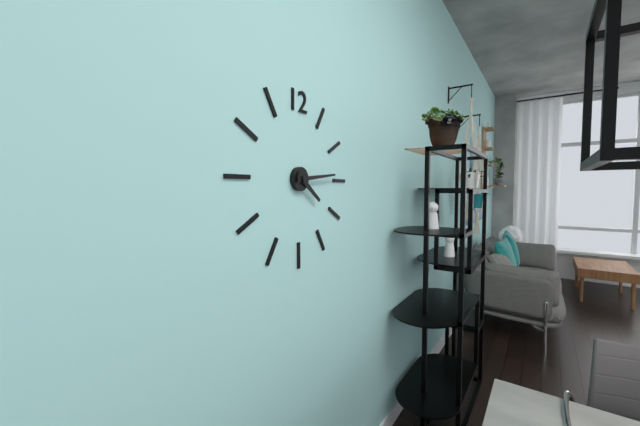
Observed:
{"hour": 4, "minute": 14}
